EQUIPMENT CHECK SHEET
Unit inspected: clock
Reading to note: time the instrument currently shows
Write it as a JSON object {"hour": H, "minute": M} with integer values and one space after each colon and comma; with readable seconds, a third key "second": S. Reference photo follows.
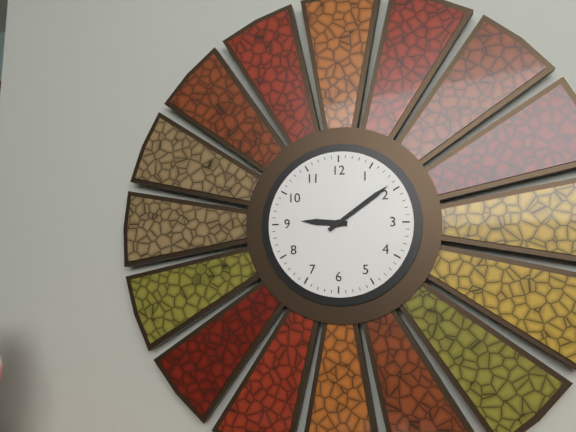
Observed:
{"hour": 9, "minute": 9}
